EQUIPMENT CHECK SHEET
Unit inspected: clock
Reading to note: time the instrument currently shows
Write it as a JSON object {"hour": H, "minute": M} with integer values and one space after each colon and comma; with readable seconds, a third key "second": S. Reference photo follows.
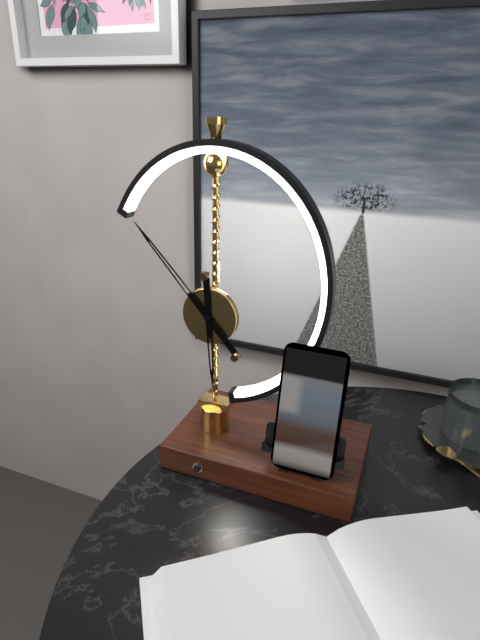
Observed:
{"hour": 5, "minute": 53}
